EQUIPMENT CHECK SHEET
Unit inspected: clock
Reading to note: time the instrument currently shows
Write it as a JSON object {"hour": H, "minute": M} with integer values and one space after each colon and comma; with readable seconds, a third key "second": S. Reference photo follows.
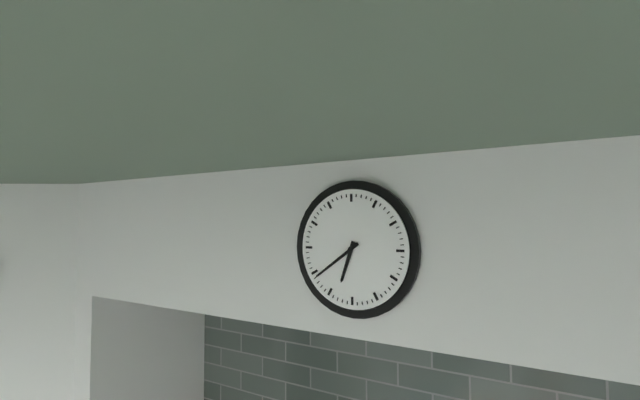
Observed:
{"hour": 6, "minute": 39}
